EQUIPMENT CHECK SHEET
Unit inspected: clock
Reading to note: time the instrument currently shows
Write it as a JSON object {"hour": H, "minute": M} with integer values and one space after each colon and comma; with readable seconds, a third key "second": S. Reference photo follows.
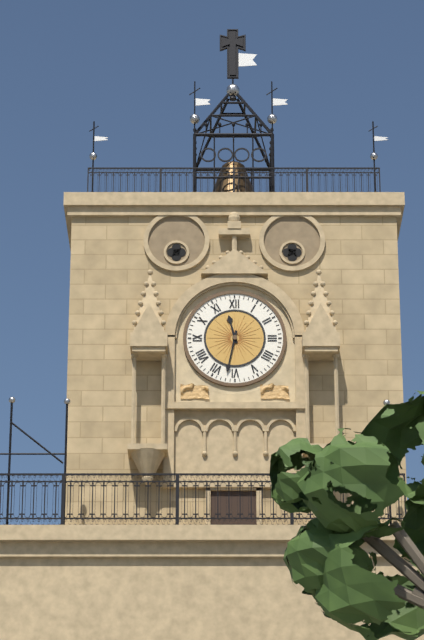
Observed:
{"hour": 11, "minute": 32}
